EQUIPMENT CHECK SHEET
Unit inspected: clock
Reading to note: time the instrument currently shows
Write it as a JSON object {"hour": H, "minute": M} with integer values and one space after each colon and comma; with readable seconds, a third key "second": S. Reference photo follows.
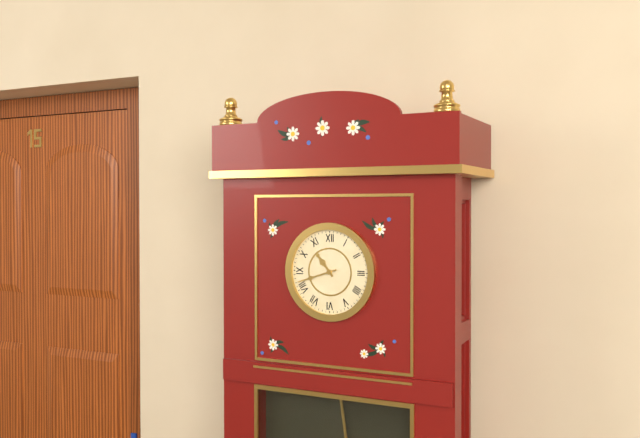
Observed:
{"hour": 10, "minute": 42}
